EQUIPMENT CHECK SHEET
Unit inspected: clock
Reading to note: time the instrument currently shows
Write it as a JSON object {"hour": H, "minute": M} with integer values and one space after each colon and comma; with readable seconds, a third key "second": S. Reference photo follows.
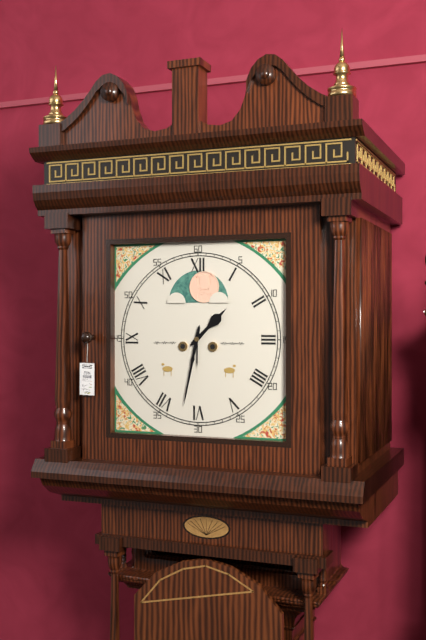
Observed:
{"hour": 1, "minute": 32}
